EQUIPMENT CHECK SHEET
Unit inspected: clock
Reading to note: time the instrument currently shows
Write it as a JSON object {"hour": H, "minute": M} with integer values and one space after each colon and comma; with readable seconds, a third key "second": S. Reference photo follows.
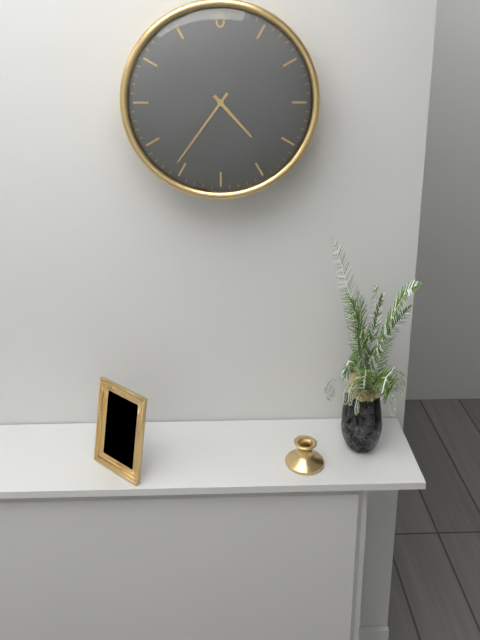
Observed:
{"hour": 4, "minute": 36}
